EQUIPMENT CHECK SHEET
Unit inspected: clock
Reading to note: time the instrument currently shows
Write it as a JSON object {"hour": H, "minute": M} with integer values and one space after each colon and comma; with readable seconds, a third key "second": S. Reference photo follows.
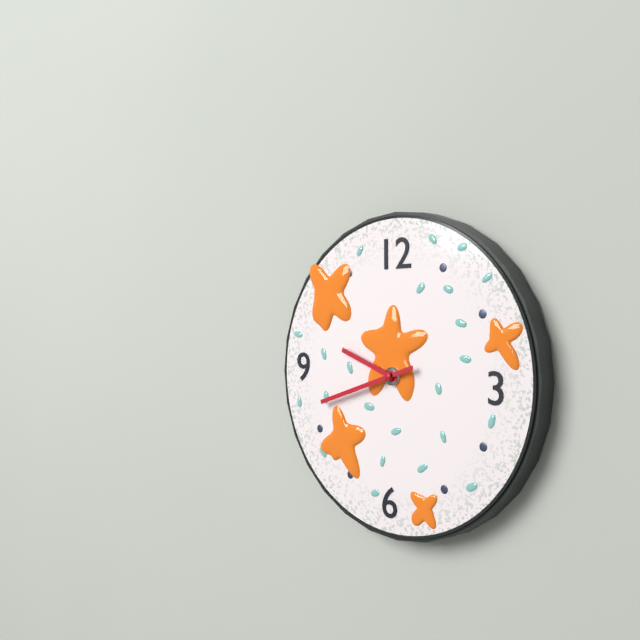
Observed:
{"hour": 9, "minute": 42}
